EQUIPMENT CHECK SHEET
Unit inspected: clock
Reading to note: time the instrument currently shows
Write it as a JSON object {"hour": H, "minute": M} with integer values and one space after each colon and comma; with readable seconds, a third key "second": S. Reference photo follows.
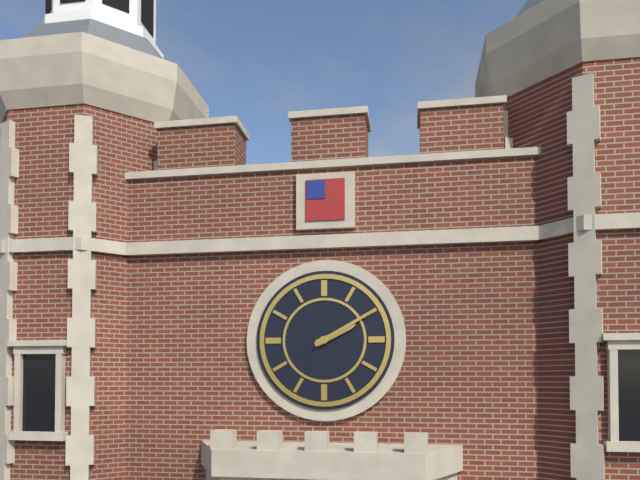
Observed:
{"hour": 2, "minute": 10}
